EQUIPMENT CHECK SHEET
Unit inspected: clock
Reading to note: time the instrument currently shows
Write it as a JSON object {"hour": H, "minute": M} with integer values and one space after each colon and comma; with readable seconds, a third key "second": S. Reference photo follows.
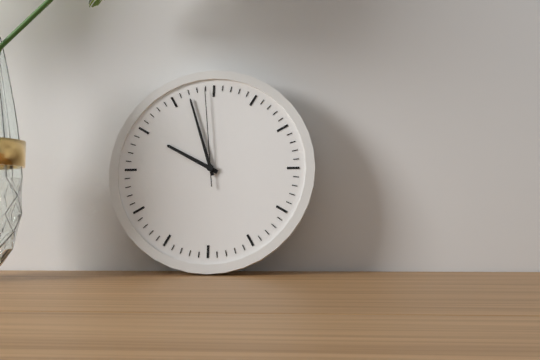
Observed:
{"hour": 9, "minute": 57, "second": 59}
